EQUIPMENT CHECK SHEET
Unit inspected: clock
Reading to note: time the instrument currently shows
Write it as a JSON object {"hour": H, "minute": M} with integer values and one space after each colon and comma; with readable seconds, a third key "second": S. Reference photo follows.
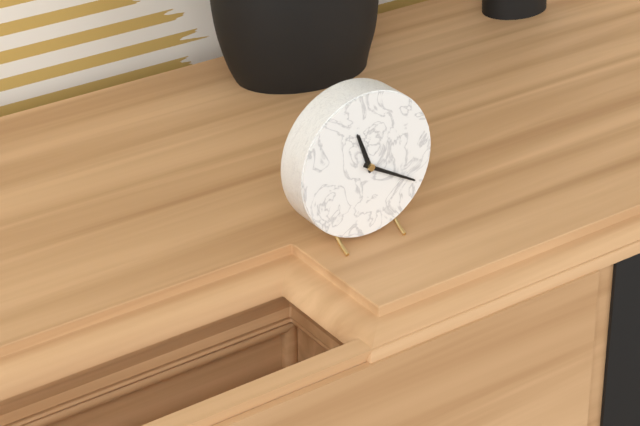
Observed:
{"hour": 11, "minute": 20}
